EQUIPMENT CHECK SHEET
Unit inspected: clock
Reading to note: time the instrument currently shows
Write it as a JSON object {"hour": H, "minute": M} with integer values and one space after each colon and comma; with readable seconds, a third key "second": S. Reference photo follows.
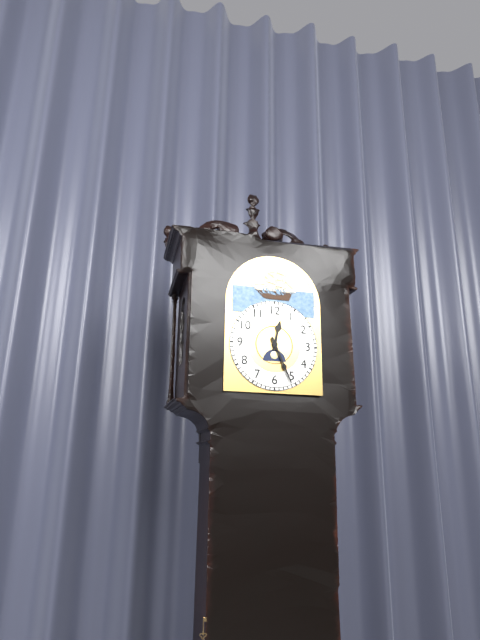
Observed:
{"hour": 12, "minute": 26}
